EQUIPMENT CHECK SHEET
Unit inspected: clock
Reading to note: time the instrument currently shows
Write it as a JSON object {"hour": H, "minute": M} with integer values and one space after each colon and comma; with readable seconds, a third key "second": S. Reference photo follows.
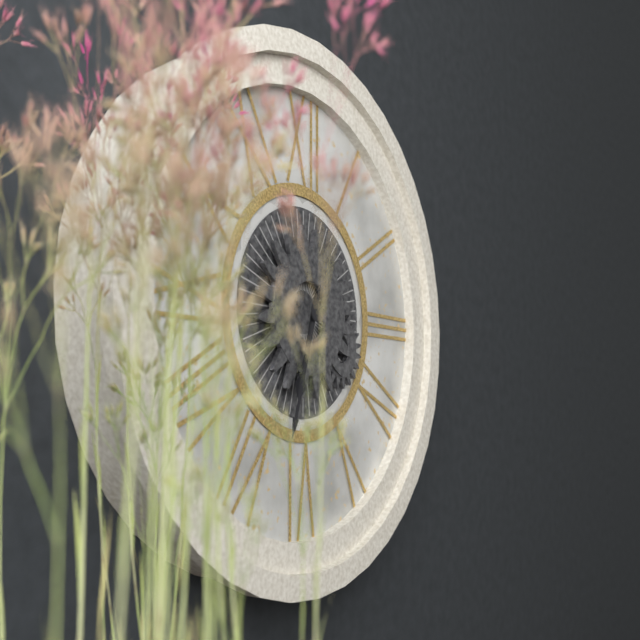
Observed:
{"hour": 6, "minute": 33}
